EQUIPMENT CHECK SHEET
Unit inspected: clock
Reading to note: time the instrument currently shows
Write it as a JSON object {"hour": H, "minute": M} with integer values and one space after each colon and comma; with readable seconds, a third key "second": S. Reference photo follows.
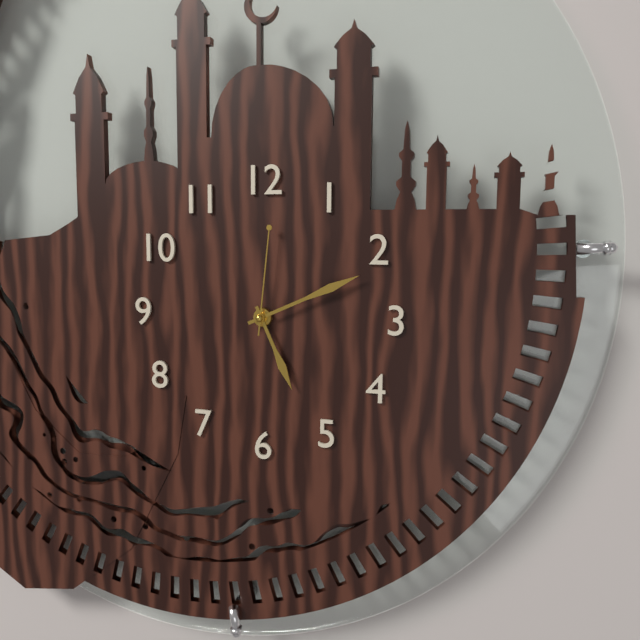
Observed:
{"hour": 5, "minute": 11, "second": 1}
